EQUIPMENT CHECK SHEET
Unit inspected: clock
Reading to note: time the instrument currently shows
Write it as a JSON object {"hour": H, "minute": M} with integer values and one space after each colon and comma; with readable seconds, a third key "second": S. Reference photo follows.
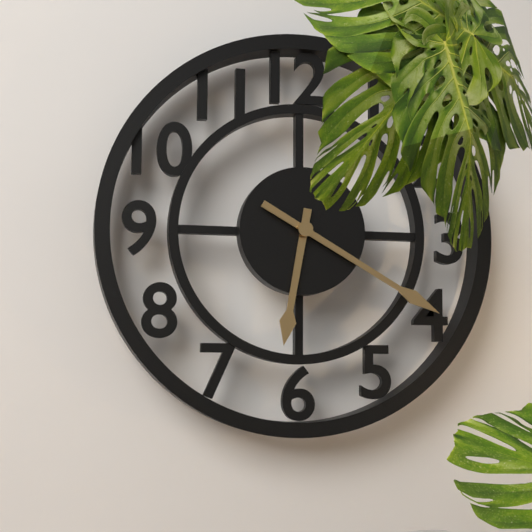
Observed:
{"hour": 6, "minute": 20}
